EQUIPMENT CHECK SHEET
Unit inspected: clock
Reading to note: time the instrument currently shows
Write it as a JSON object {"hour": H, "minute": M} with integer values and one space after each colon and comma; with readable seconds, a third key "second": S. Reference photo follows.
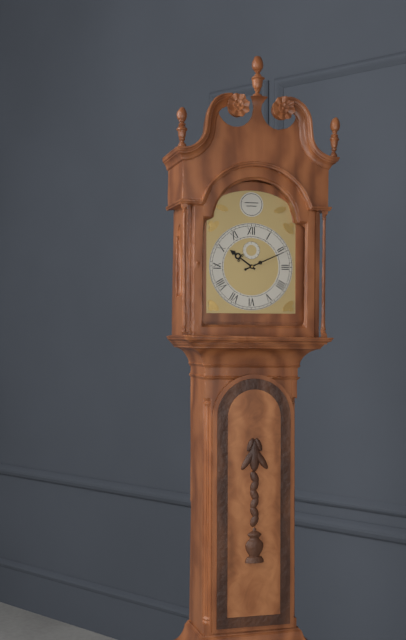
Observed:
{"hour": 10, "minute": 11}
